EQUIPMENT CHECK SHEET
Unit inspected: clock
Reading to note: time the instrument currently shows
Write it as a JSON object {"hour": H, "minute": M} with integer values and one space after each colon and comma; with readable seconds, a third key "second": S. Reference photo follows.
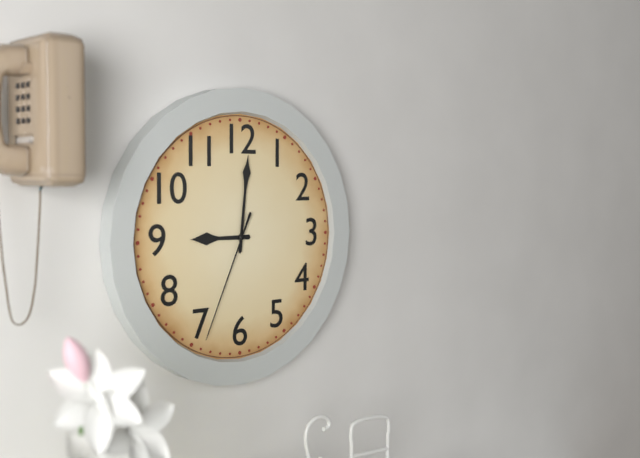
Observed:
{"hour": 9, "minute": 1, "second": 34}
